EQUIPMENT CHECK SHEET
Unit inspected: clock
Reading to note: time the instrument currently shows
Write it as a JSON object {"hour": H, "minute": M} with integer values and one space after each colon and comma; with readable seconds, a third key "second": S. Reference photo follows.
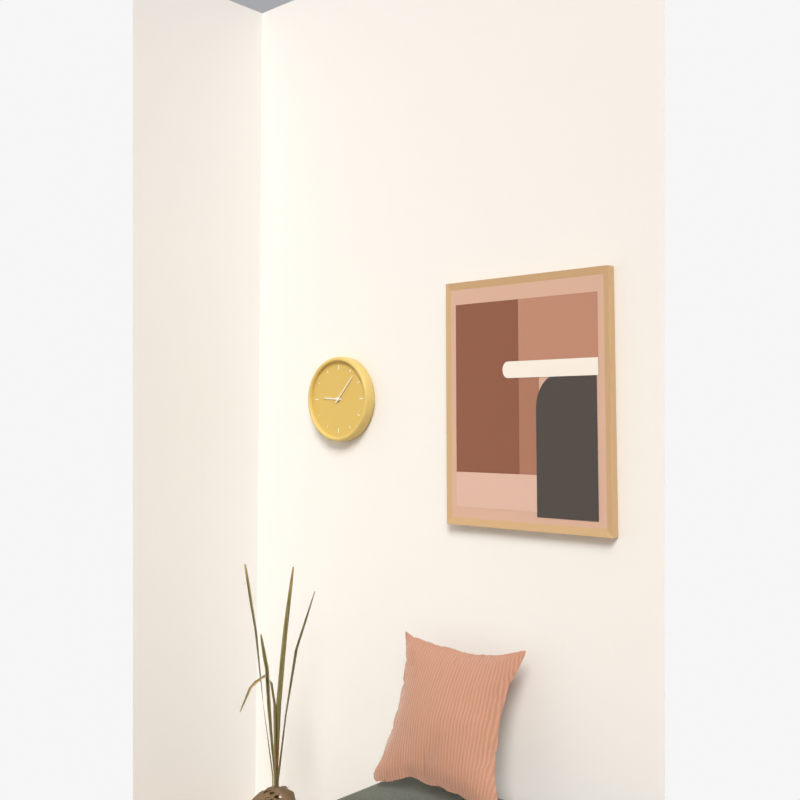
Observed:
{"hour": 9, "minute": 7}
